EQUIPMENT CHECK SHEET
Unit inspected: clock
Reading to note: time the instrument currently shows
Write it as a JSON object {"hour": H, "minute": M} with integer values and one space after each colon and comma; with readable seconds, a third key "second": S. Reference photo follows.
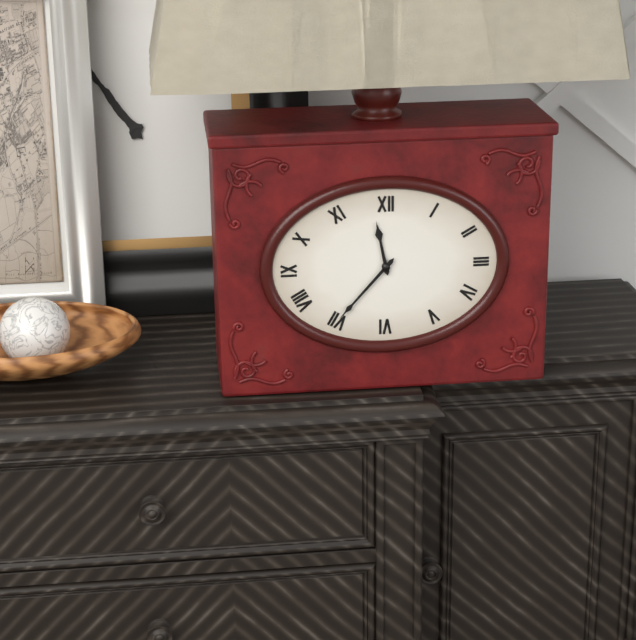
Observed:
{"hour": 11, "minute": 37}
